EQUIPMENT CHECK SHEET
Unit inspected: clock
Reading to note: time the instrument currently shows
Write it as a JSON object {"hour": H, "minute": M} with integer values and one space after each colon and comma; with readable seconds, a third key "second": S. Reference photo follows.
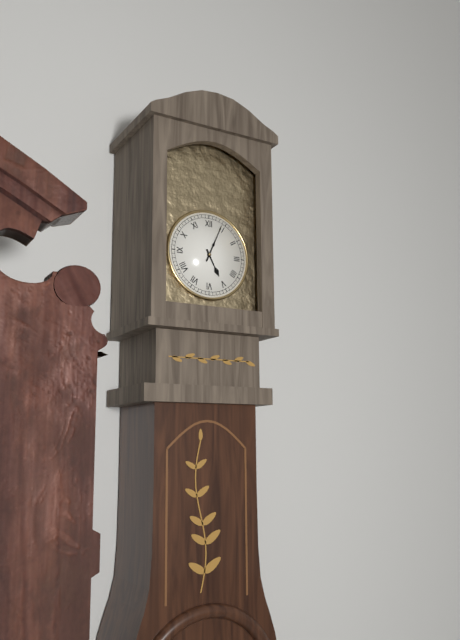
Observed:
{"hour": 5, "minute": 4}
